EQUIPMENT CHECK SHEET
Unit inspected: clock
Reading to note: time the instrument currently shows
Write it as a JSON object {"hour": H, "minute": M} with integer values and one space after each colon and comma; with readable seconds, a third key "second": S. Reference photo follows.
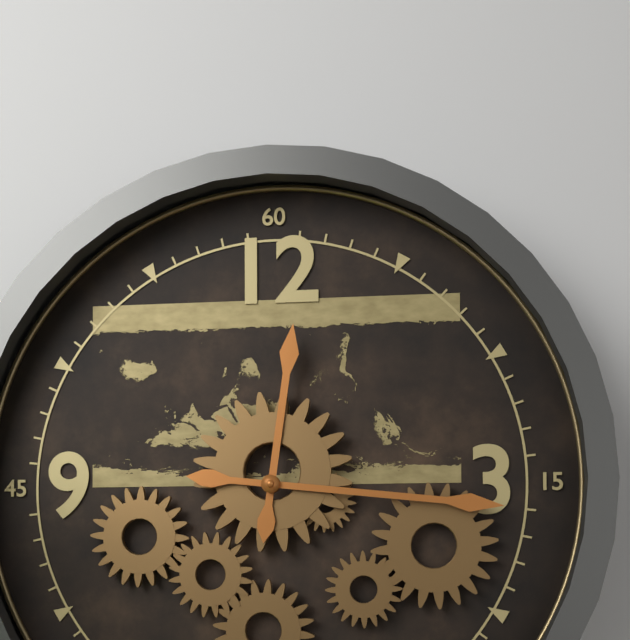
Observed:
{"hour": 12, "minute": 16}
